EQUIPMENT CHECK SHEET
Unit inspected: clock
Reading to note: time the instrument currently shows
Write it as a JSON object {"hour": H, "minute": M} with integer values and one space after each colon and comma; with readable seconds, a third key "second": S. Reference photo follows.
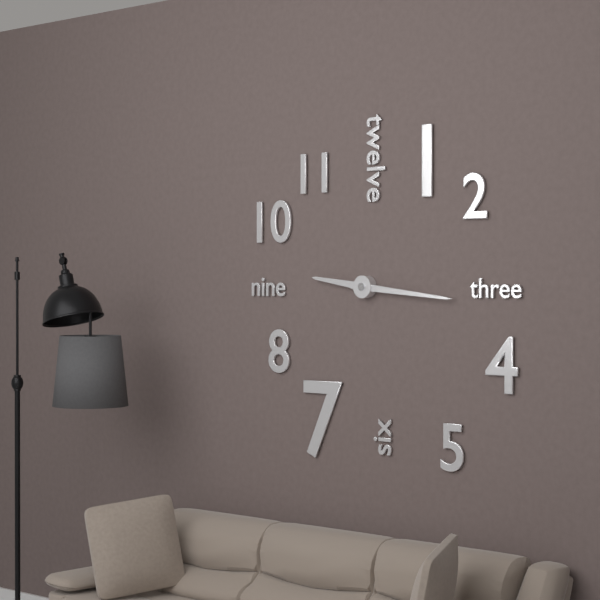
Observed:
{"hour": 9, "minute": 16}
